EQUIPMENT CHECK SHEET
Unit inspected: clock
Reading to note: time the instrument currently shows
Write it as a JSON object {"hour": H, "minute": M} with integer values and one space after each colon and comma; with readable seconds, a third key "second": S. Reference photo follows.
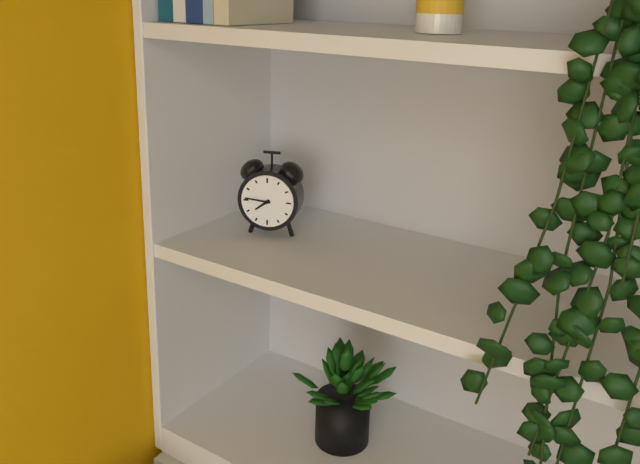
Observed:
{"hour": 7, "minute": 46}
